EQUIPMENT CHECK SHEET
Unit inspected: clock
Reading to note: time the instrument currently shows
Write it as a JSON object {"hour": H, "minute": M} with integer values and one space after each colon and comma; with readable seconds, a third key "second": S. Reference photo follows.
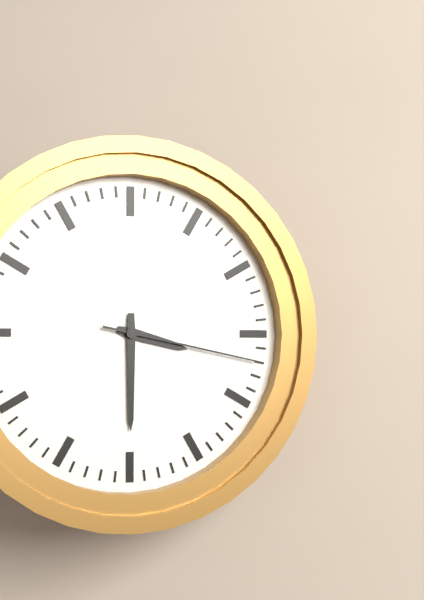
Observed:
{"hour": 3, "minute": 30, "second": 17}
